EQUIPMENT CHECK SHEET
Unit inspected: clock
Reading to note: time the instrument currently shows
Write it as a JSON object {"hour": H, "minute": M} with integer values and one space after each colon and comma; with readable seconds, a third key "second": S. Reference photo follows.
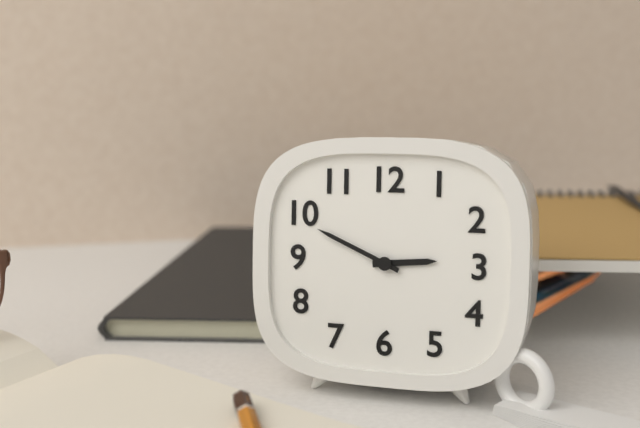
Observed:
{"hour": 2, "minute": 49}
